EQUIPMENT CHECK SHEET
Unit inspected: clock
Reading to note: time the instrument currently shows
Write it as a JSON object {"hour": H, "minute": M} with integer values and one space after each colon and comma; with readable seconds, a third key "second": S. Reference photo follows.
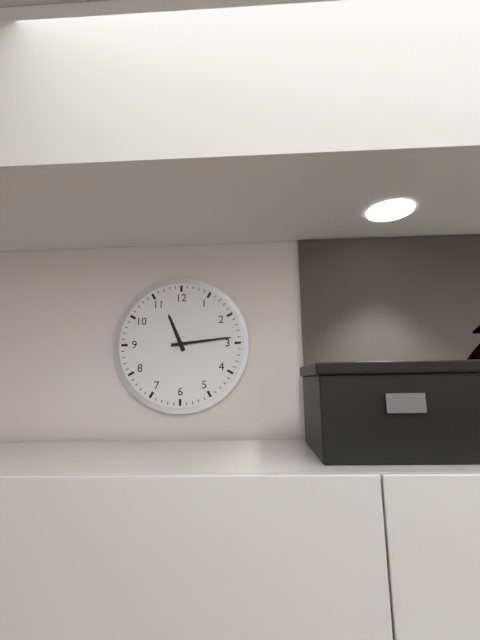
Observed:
{"hour": 11, "minute": 14}
